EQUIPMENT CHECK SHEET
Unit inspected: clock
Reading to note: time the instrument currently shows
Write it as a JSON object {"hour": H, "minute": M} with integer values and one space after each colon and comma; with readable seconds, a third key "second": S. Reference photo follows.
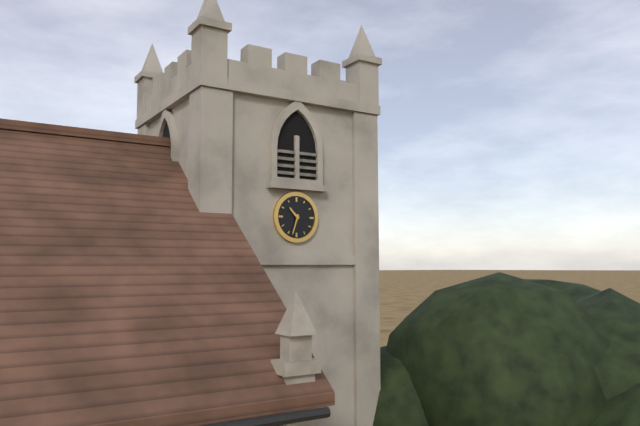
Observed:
{"hour": 10, "minute": 33}
